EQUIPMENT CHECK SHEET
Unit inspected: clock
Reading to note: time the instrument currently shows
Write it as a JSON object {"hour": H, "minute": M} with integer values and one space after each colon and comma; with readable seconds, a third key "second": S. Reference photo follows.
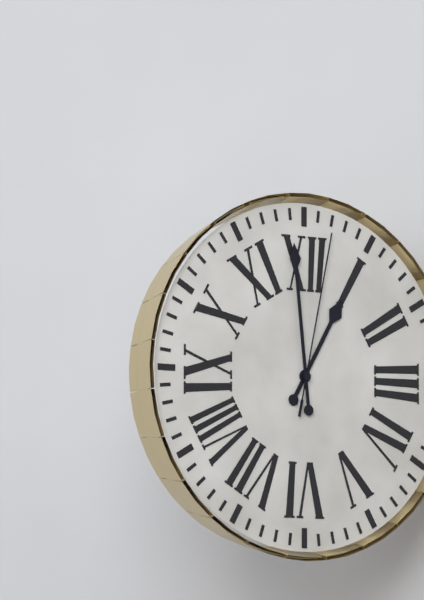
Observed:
{"hour": 12, "minute": 59, "second": 2}
